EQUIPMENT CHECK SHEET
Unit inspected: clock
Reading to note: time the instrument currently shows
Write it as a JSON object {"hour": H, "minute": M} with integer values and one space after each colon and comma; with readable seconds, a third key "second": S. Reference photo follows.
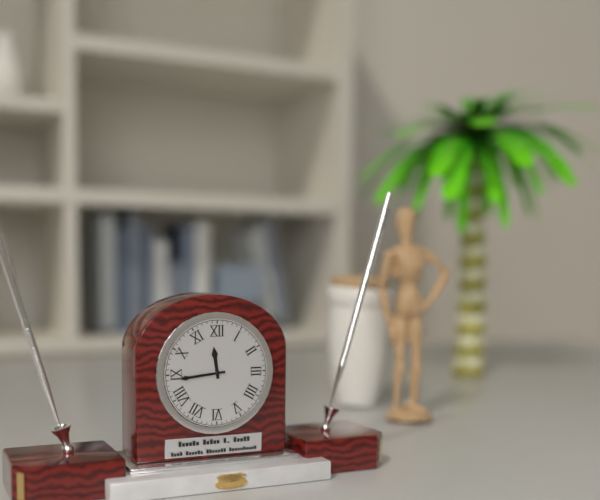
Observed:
{"hour": 11, "minute": 44}
